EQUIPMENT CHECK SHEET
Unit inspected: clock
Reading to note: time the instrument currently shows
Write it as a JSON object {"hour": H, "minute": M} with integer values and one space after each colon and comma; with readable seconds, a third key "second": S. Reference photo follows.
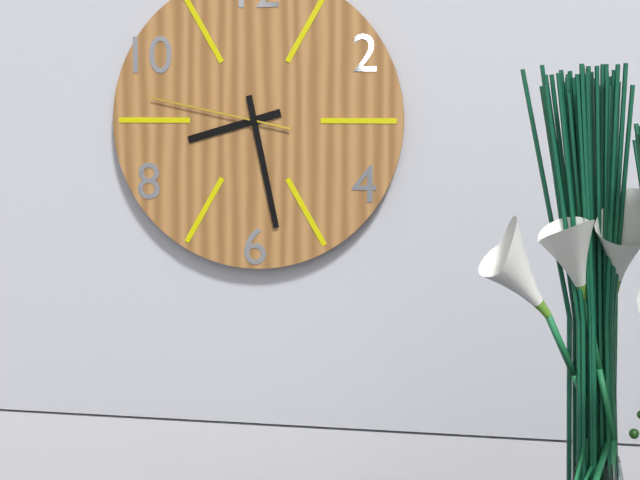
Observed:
{"hour": 8, "minute": 28, "second": 47}
